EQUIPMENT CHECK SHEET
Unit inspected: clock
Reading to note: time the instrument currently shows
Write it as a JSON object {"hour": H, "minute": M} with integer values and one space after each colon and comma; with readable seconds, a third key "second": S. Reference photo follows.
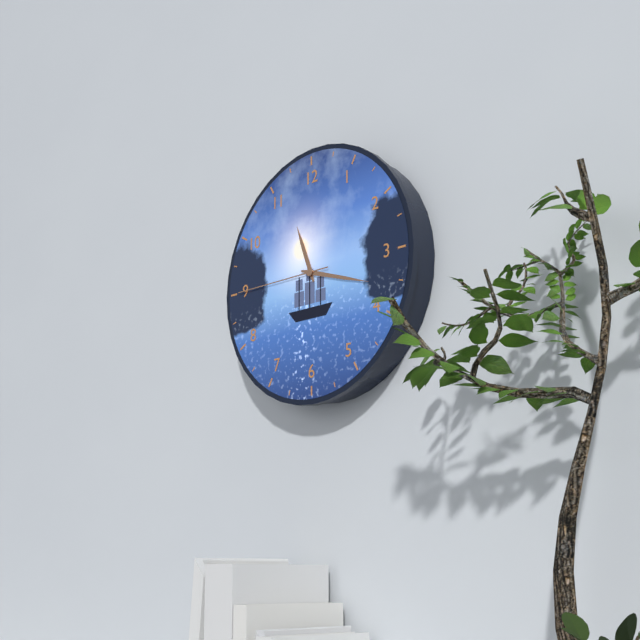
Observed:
{"hour": 11, "minute": 18, "second": 45}
